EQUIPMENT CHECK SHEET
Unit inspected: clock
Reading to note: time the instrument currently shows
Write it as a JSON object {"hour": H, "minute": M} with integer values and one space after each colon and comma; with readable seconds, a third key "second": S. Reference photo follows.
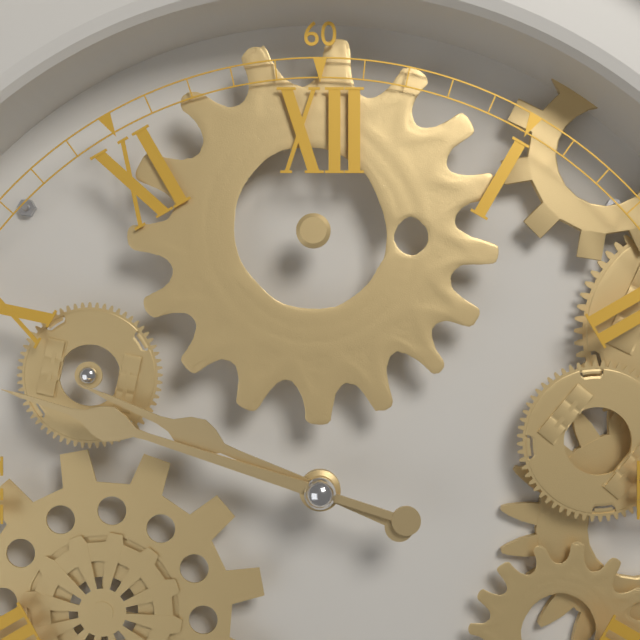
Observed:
{"hour": 9, "minute": 48}
